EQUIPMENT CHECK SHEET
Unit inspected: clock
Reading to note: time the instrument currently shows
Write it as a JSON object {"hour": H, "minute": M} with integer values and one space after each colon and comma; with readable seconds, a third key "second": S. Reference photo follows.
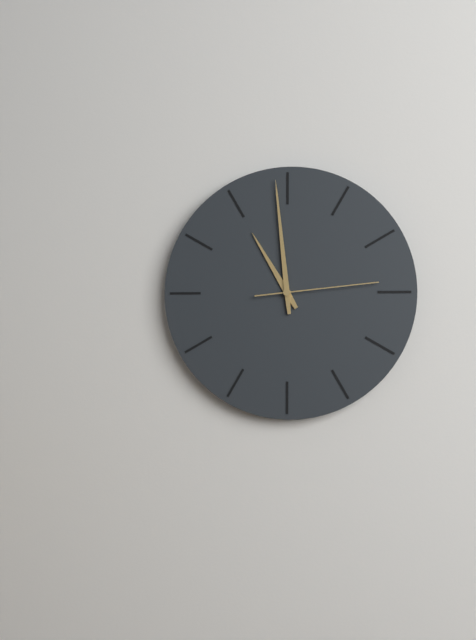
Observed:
{"hour": 10, "minute": 59, "second": 14}
